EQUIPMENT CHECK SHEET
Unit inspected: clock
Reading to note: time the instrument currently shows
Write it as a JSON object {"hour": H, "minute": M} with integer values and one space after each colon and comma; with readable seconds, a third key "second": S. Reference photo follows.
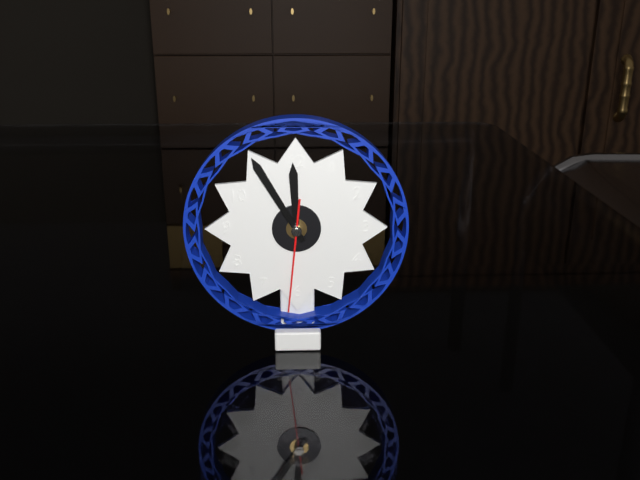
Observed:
{"hour": 11, "minute": 55, "second": 31}
